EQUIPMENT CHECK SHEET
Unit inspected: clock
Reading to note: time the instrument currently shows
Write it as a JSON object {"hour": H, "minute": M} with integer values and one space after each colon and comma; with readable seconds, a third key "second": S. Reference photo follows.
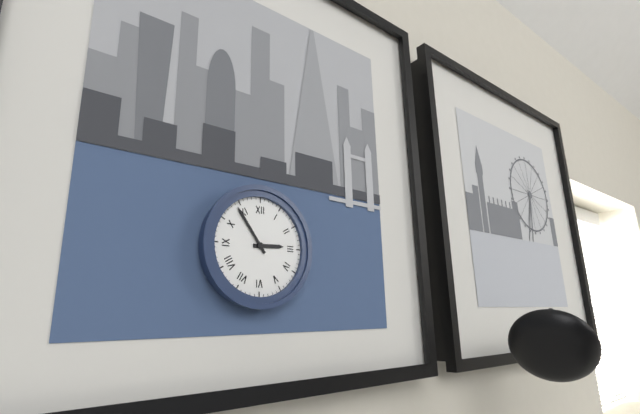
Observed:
{"hour": 2, "minute": 54}
